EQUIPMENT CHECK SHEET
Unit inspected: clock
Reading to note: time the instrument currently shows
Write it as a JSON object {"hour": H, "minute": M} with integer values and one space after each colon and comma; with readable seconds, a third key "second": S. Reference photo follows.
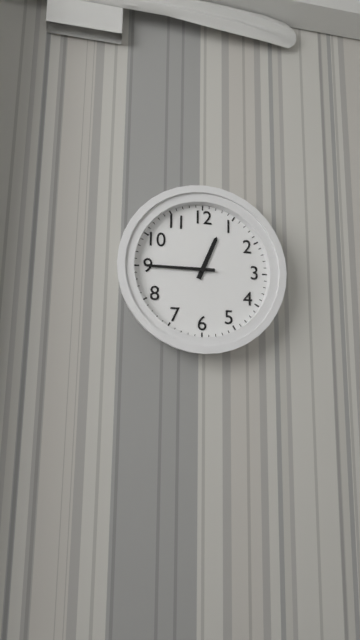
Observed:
{"hour": 12, "minute": 45}
